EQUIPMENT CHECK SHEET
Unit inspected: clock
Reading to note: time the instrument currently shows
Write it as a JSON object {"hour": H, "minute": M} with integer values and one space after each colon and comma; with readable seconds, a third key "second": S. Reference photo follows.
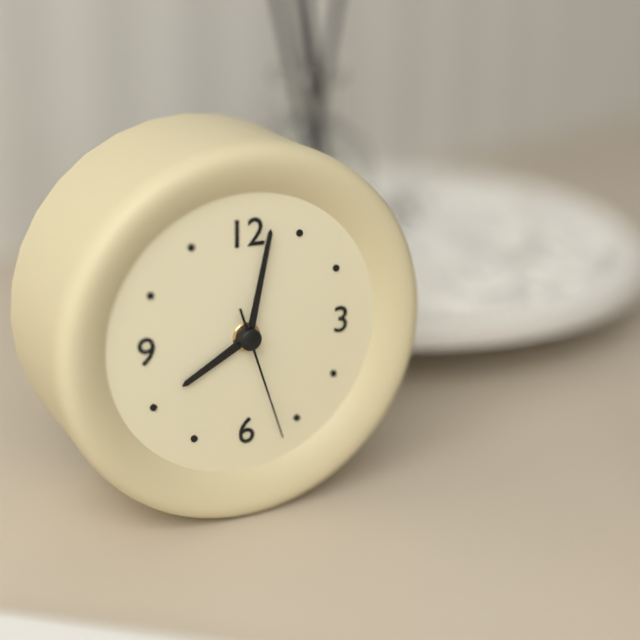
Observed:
{"hour": 8, "minute": 2, "second": 27}
